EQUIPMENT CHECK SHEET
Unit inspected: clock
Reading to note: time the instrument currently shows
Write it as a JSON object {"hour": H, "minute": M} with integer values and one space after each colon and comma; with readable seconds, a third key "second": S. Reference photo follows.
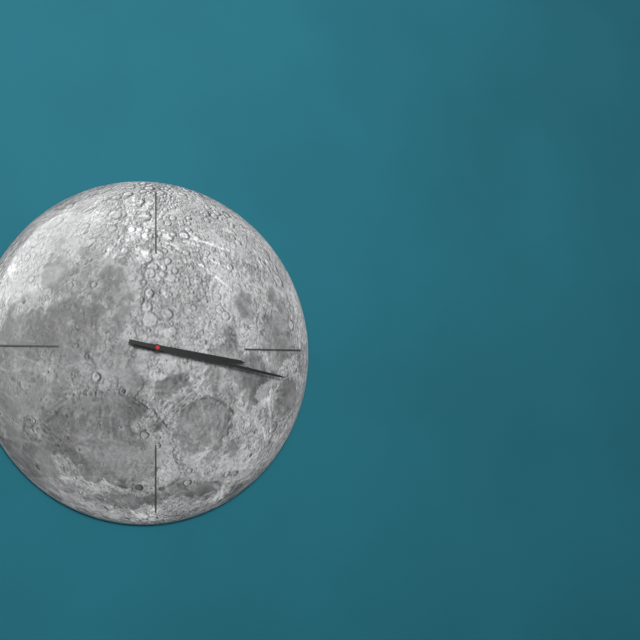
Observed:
{"hour": 3, "minute": 17}
